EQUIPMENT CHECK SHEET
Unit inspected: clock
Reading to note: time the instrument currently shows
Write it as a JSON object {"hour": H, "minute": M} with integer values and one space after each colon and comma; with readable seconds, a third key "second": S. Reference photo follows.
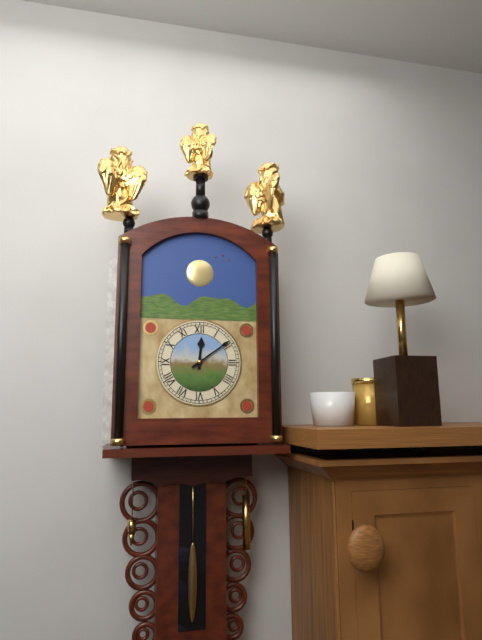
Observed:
{"hour": 12, "minute": 9}
